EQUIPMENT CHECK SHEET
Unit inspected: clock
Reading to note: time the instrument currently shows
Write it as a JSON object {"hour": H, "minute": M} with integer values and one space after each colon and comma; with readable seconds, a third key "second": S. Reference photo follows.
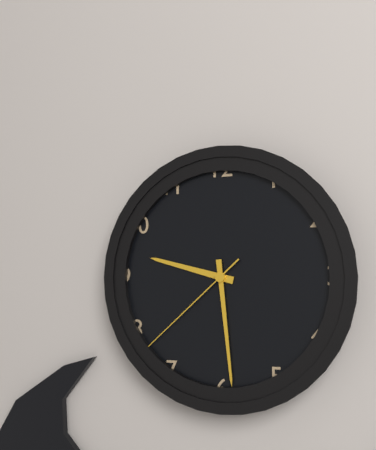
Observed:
{"hour": 9, "minute": 29, "second": 38}
